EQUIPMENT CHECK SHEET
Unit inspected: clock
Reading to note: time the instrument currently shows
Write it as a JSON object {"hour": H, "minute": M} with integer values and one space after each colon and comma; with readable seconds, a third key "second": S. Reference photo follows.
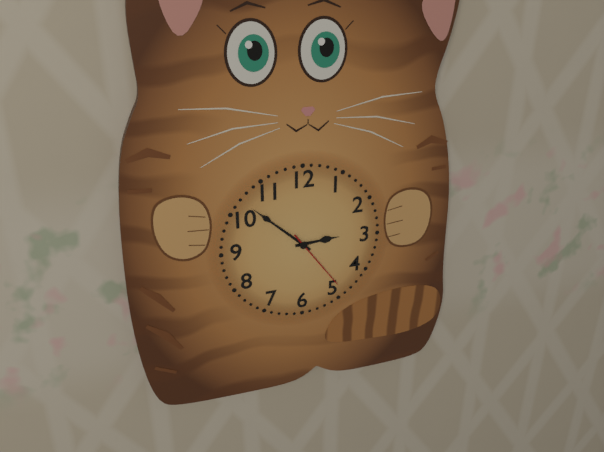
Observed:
{"hour": 2, "minute": 52, "second": 24}
